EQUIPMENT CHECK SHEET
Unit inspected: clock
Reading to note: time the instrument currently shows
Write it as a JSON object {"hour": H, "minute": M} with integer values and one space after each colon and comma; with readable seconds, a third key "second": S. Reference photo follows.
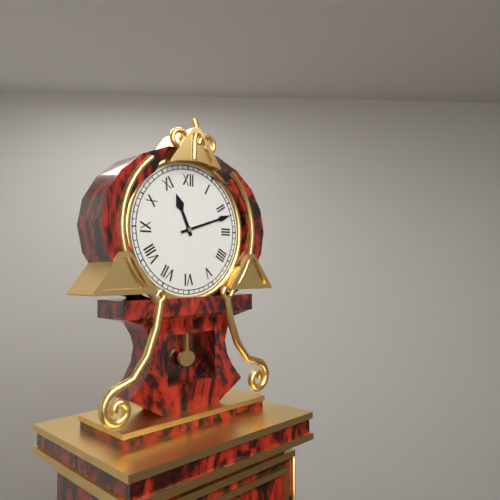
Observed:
{"hour": 11, "minute": 12}
